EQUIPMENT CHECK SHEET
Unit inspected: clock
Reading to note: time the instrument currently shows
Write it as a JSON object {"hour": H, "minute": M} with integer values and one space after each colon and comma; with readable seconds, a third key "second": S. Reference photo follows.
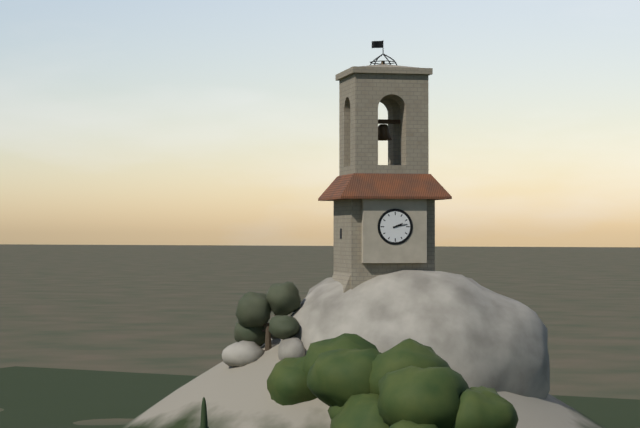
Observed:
{"hour": 2, "minute": 13}
